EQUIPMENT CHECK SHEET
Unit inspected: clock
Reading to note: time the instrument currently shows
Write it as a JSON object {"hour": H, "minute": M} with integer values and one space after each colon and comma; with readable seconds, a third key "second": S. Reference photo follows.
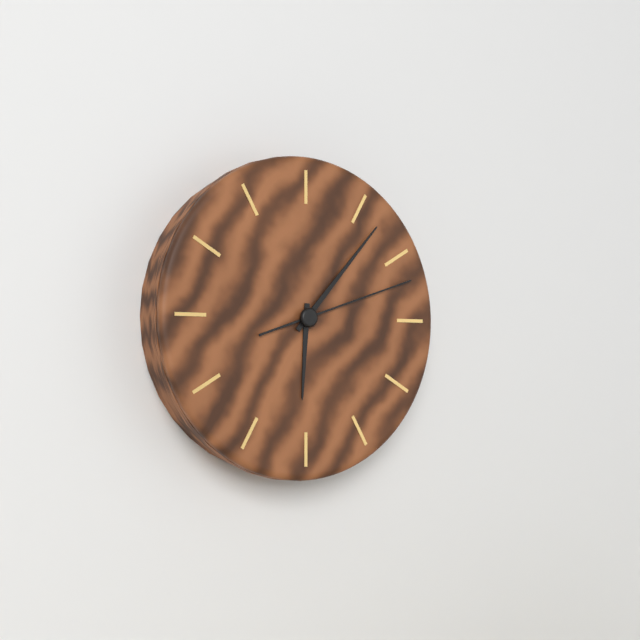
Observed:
{"hour": 6, "minute": 7, "second": 12}
